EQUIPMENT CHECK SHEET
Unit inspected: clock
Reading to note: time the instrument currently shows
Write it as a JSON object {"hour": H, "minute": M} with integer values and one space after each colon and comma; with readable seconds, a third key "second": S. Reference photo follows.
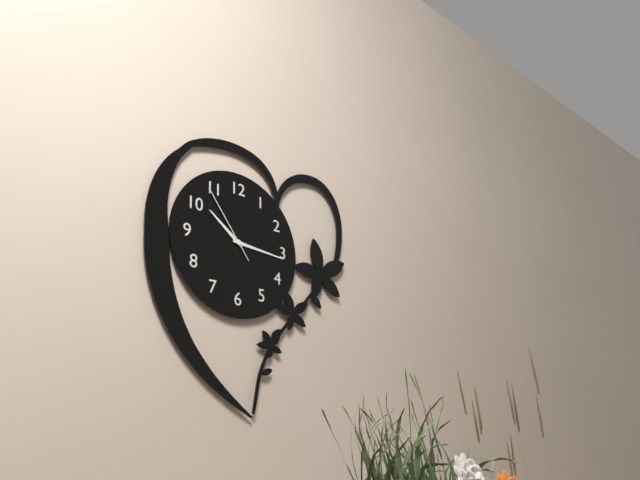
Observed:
{"hour": 10, "minute": 16, "second": 54}
